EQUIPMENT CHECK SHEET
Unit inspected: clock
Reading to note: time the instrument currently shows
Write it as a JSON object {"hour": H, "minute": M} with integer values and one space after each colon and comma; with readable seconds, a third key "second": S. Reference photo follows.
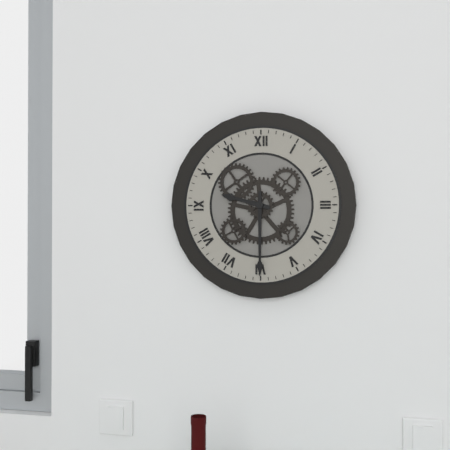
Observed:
{"hour": 9, "minute": 30}
